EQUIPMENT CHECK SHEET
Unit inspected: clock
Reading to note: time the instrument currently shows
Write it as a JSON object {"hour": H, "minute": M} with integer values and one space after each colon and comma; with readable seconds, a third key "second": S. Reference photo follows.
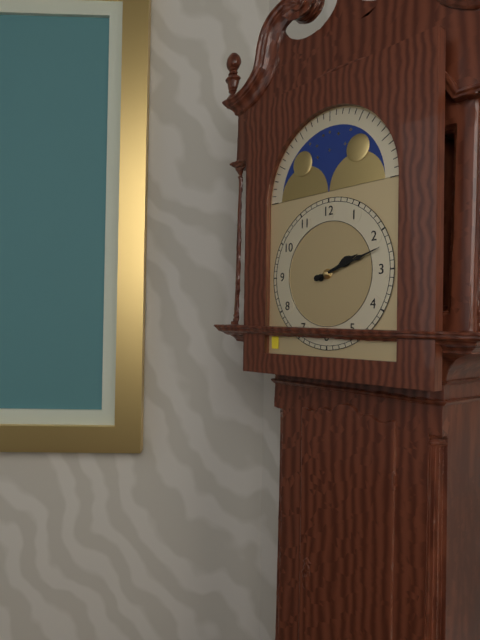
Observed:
{"hour": 2, "minute": 12}
